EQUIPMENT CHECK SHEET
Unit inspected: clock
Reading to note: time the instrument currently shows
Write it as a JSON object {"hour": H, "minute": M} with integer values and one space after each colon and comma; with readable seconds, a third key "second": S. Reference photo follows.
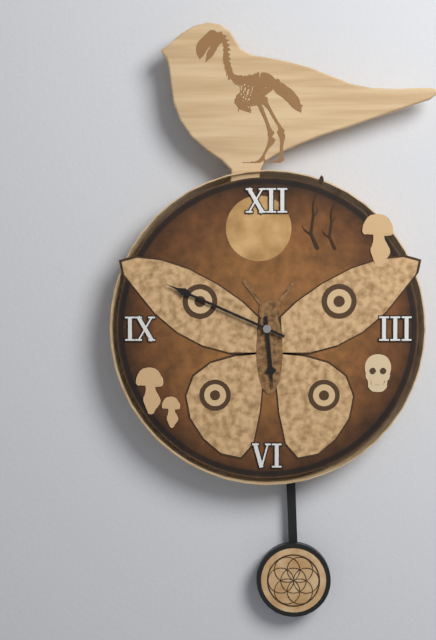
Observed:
{"hour": 5, "minute": 49}
